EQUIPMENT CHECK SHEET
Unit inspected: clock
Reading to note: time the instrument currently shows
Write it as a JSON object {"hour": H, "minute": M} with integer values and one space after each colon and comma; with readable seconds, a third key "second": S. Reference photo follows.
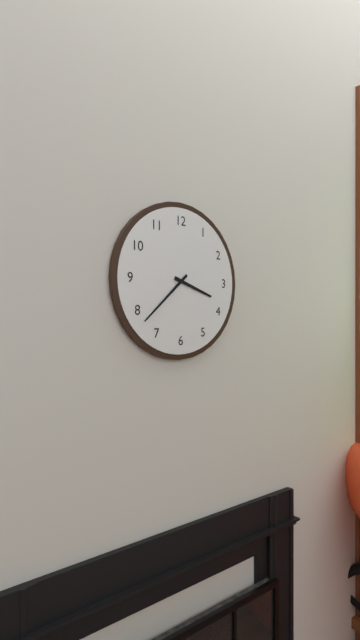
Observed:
{"hour": 3, "minute": 38}
